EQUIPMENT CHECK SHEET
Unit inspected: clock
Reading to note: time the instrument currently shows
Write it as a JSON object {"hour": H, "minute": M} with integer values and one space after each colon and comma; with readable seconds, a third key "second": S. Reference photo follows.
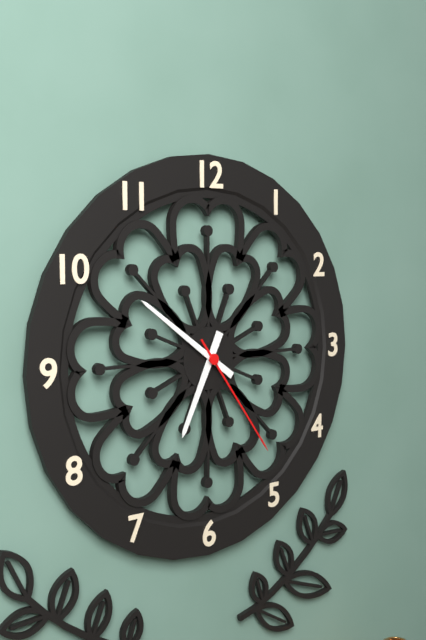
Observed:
{"hour": 6, "minute": 51, "second": 24}
